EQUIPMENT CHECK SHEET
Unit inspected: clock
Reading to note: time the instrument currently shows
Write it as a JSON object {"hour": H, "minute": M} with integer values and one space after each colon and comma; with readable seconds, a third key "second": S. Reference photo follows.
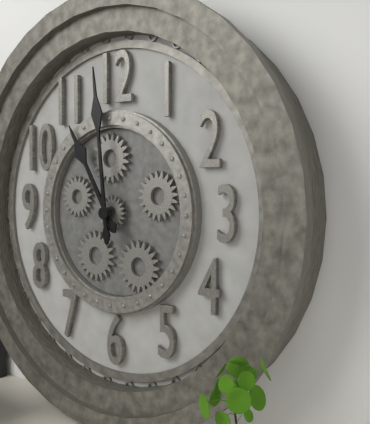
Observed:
{"hour": 10, "minute": 59}
